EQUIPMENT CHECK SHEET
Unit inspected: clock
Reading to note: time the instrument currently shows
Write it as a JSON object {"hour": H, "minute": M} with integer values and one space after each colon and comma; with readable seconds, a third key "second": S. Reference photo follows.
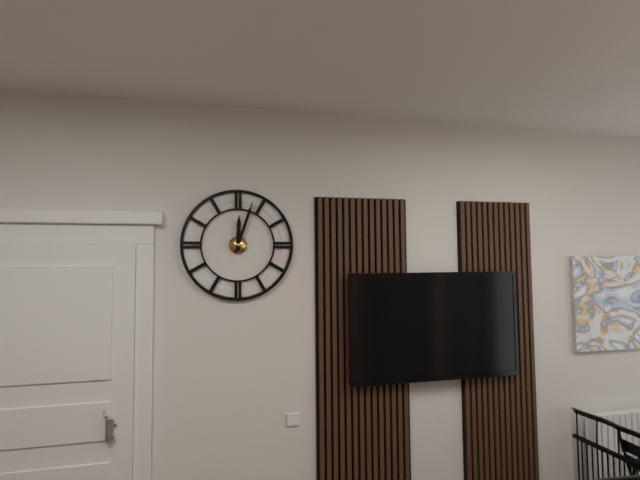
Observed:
{"hour": 12, "minute": 3}
